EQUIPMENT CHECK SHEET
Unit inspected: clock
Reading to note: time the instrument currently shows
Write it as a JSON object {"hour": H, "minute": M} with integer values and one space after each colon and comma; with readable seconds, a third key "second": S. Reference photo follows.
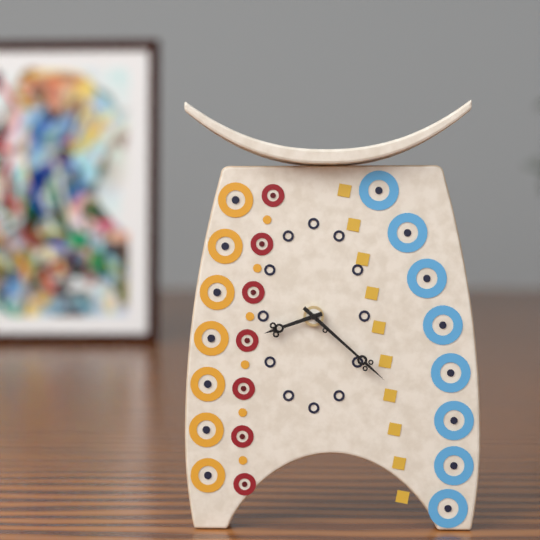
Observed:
{"hour": 8, "minute": 22}
